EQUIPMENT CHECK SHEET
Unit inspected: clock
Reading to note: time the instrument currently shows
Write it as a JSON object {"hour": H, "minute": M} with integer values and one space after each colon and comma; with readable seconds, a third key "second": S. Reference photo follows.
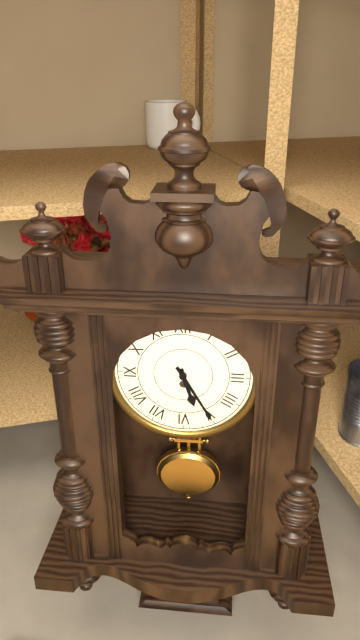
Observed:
{"hour": 5, "minute": 25}
